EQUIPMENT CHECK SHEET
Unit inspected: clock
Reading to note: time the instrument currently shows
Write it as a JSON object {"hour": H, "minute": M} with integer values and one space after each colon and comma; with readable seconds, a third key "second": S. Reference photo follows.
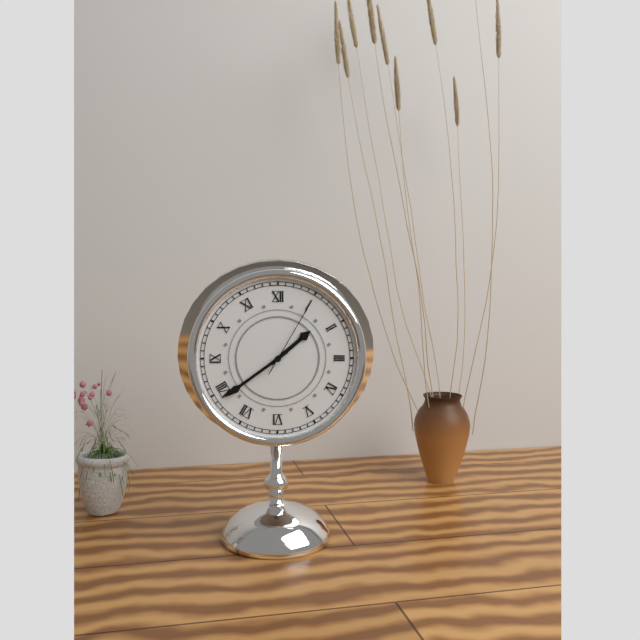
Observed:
{"hour": 1, "minute": 39, "second": 5}
